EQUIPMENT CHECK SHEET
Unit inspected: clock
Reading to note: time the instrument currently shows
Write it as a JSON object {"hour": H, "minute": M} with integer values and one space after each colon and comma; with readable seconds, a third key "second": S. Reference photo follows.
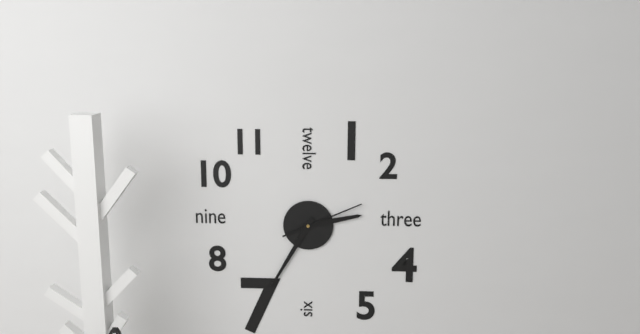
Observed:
{"hour": 2, "minute": 35, "second": 11}
